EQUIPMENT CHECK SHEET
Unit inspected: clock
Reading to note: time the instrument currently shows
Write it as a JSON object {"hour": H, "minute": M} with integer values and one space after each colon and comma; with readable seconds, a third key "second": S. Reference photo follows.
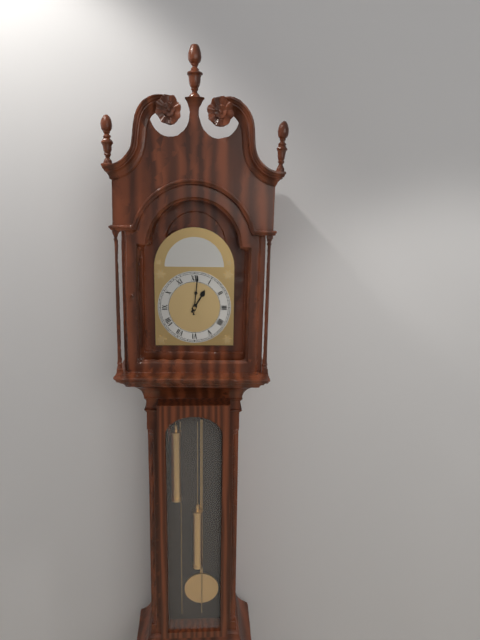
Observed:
{"hour": 1, "minute": 1}
